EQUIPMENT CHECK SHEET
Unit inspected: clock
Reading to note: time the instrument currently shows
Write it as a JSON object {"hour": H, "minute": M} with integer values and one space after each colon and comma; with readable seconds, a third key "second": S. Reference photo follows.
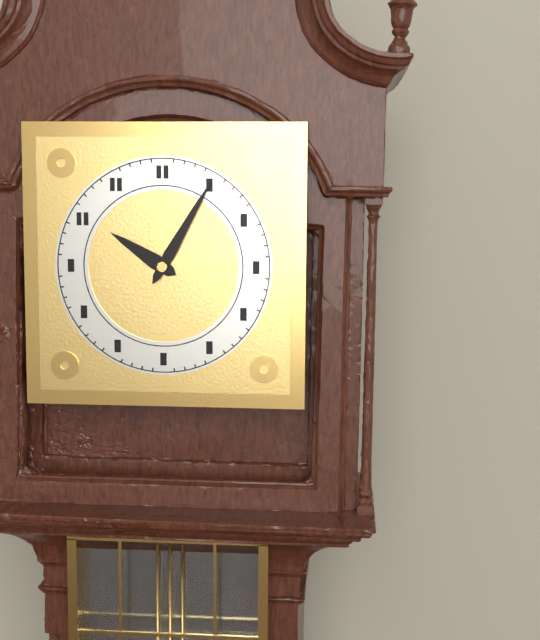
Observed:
{"hour": 10, "minute": 5}
